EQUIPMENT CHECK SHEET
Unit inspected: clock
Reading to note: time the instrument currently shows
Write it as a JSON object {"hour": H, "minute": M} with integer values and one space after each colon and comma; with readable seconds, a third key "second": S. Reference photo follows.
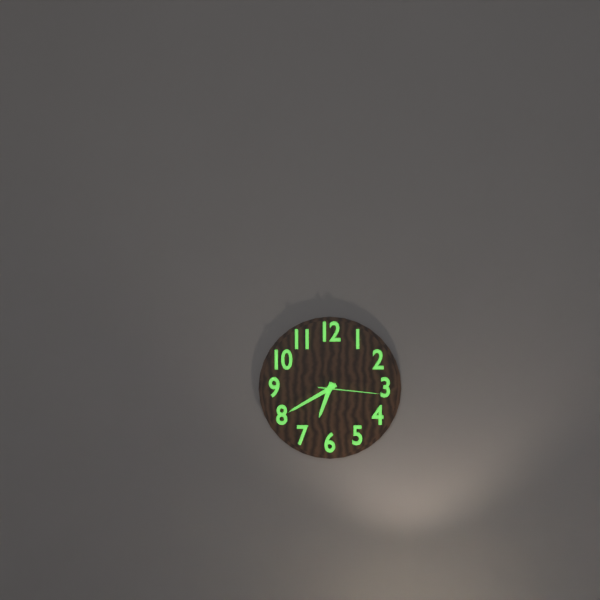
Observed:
{"hour": 6, "minute": 40, "second": 16}
